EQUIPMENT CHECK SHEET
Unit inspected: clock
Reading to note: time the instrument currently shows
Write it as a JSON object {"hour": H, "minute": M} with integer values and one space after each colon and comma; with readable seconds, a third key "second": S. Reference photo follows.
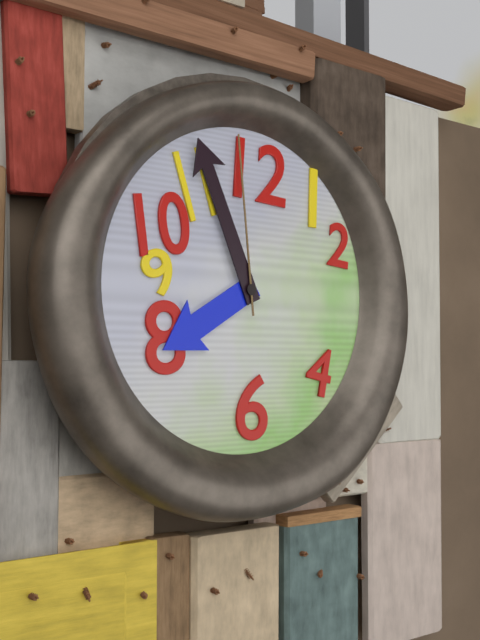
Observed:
{"hour": 7, "minute": 56, "second": 59}
